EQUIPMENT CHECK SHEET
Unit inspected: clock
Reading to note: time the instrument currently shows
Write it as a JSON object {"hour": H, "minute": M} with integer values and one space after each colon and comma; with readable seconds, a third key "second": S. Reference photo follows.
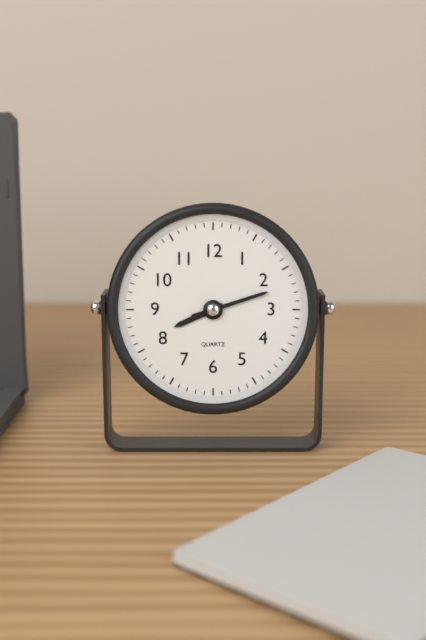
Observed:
{"hour": 8, "minute": 12}
